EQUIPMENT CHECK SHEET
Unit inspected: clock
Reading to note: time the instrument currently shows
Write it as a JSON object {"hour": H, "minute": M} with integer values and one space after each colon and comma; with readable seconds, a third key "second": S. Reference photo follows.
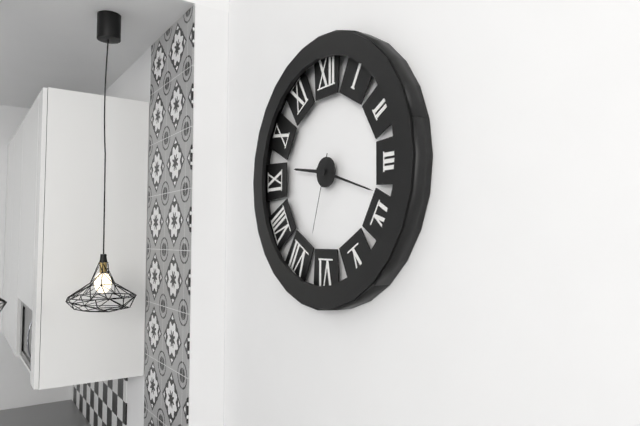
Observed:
{"hour": 9, "minute": 18, "second": 33}
